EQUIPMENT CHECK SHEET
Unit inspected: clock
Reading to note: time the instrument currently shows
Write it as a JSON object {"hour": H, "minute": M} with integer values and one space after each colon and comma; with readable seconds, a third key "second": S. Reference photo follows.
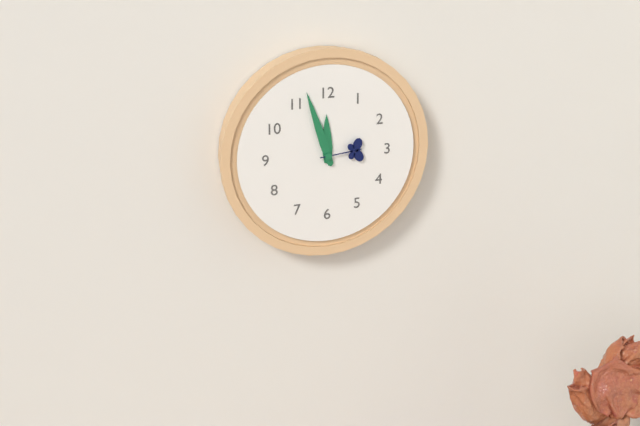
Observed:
{"hour": 11, "minute": 57}
